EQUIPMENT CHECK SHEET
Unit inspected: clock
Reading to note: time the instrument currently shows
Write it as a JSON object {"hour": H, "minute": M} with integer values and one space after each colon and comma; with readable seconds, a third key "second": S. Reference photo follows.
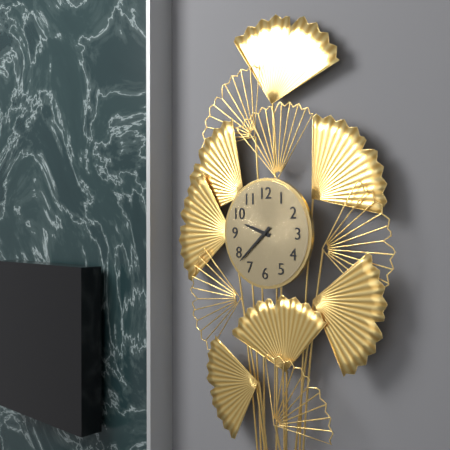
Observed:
{"hour": 9, "minute": 38}
